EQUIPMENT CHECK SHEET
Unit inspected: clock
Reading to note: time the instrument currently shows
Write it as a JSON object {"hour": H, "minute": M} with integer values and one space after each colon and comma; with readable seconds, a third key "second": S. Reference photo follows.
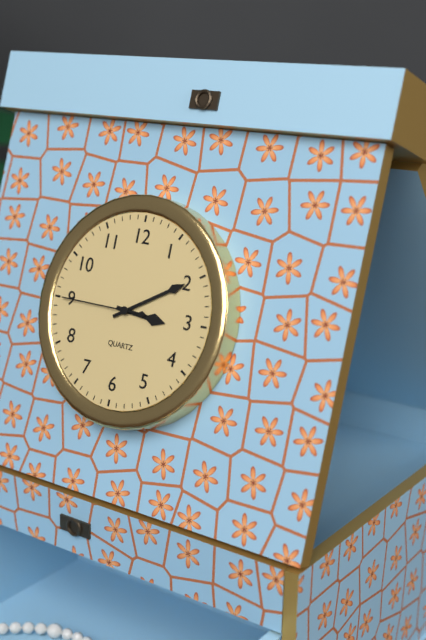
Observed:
{"hour": 3, "minute": 10, "second": 45}
